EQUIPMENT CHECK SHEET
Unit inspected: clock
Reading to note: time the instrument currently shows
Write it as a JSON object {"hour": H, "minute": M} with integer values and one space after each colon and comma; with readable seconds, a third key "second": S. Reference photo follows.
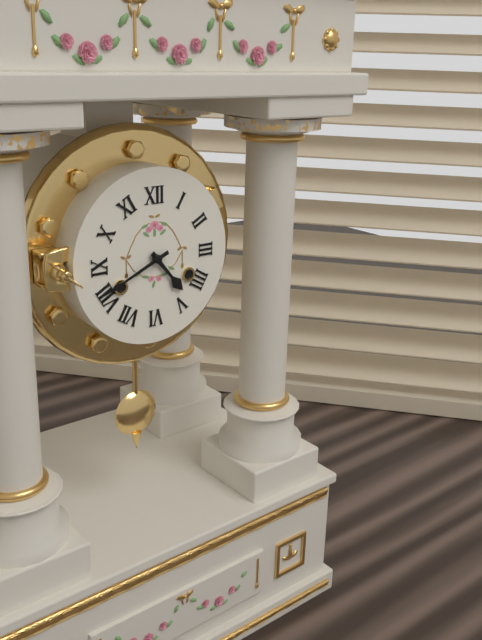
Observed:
{"hour": 4, "minute": 41}
